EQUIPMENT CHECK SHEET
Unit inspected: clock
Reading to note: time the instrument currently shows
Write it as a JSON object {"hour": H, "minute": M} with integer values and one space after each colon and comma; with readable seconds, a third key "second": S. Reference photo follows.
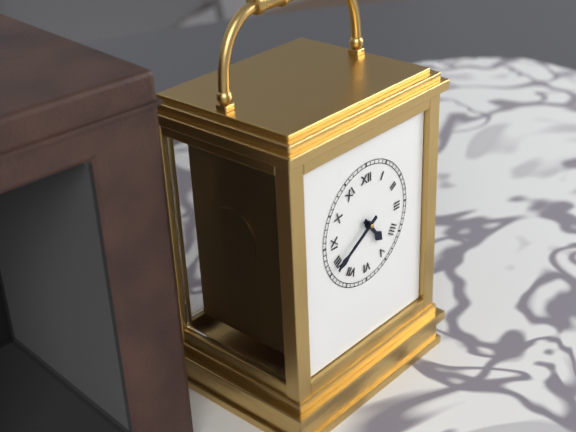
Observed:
{"hour": 4, "minute": 40}
